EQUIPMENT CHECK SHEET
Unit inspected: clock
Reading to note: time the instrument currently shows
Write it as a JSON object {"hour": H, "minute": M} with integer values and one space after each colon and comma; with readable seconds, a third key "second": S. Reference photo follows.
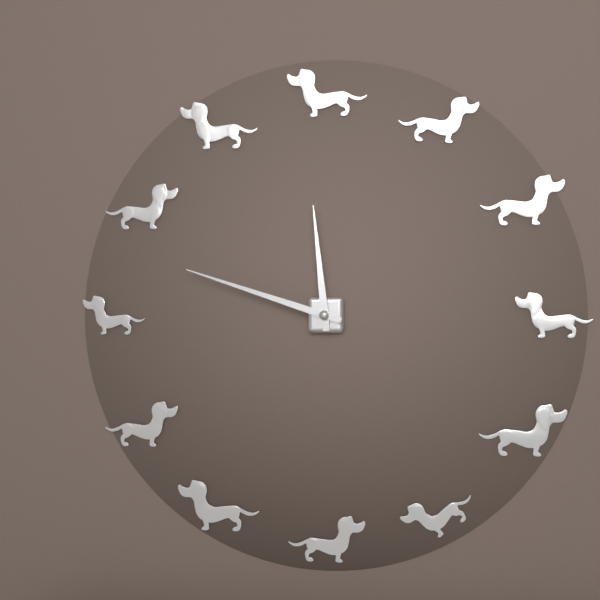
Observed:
{"hour": 11, "minute": 48}
